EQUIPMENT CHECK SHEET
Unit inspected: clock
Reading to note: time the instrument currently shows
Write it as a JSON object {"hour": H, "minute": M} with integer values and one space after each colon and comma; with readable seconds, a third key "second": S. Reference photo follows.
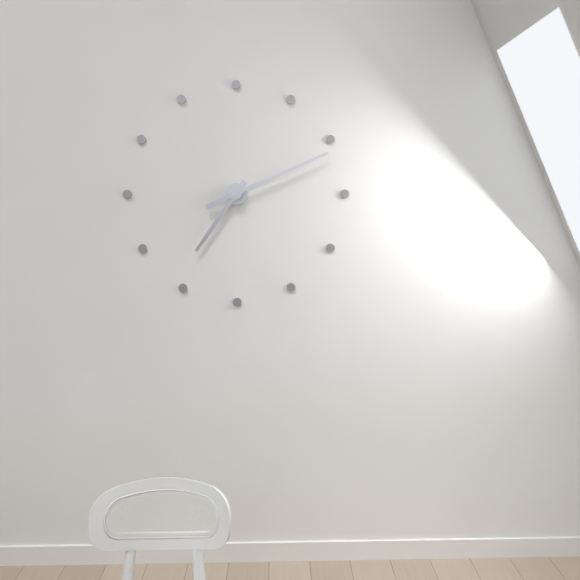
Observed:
{"hour": 7, "minute": 11}
